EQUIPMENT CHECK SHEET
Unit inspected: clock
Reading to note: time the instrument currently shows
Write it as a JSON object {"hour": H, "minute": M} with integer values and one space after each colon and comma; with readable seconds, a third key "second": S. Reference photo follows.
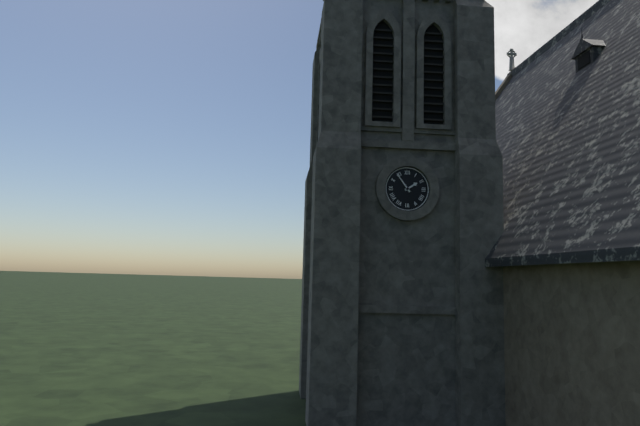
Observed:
{"hour": 1, "minute": 54}
